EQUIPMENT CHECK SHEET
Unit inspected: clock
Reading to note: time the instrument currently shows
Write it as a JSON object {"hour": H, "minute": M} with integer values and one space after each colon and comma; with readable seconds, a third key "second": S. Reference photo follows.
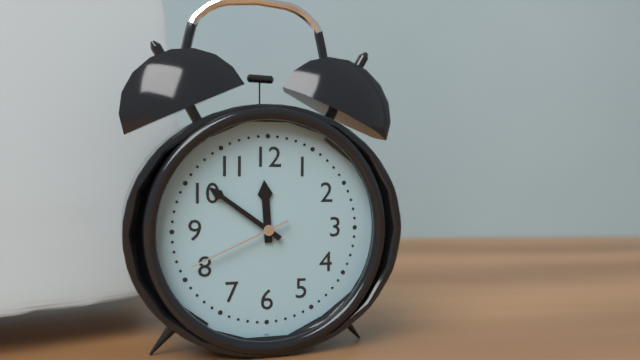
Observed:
{"hour": 11, "minute": 51, "second": 41}
